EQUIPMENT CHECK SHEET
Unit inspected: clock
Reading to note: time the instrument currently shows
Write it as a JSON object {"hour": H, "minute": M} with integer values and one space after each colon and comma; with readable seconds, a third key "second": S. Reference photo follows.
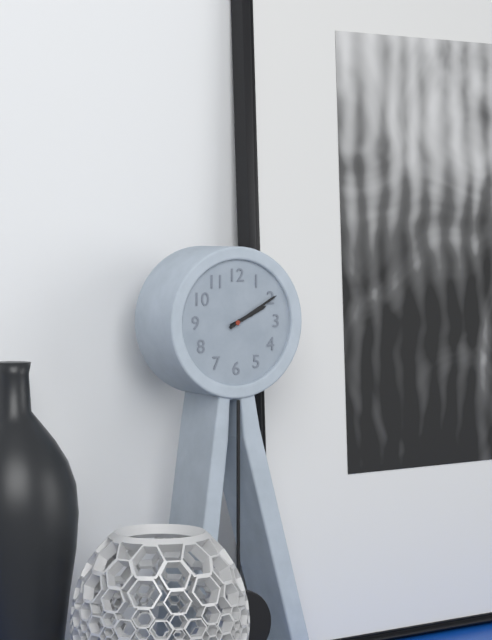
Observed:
{"hour": 2, "minute": 10}
